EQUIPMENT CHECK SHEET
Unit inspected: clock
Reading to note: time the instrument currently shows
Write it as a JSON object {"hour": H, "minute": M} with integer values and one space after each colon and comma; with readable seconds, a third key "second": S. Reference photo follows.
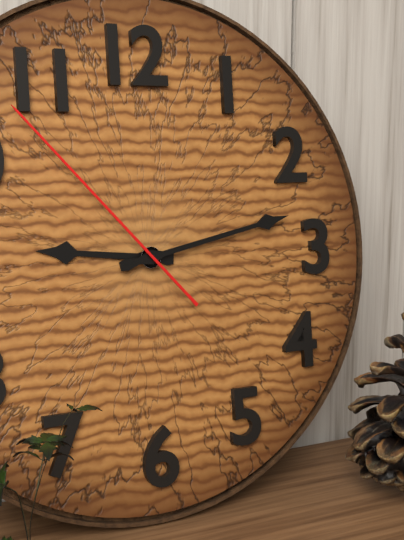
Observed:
{"hour": 9, "minute": 13, "second": 53}
